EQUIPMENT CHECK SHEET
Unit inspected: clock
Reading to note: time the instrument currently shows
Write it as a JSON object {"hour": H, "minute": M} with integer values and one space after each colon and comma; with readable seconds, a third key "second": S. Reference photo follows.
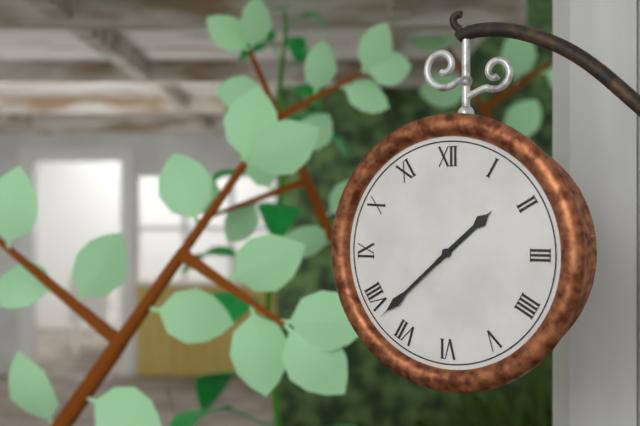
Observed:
{"hour": 1, "minute": 38}
